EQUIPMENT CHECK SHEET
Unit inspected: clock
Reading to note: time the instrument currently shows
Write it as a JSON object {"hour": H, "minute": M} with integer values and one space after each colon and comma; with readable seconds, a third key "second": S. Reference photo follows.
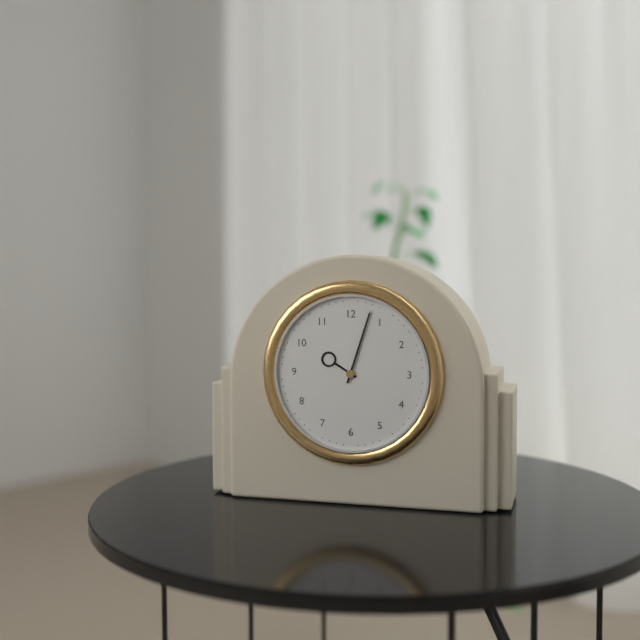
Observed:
{"hour": 10, "minute": 3}
